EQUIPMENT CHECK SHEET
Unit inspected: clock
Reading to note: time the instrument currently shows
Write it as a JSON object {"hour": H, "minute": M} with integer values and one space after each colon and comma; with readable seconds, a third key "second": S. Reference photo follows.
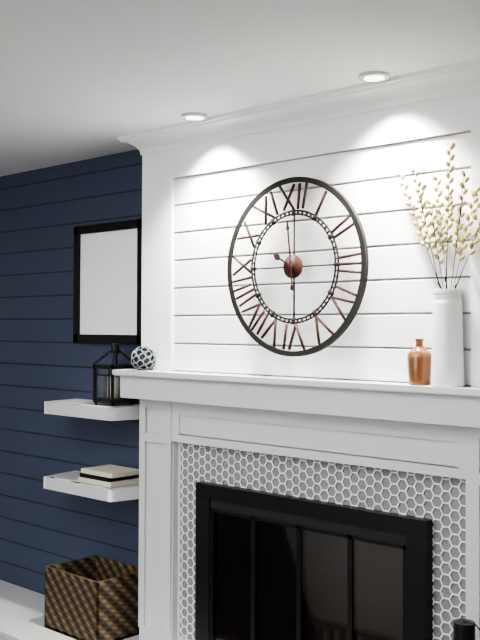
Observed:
{"hour": 9, "minute": 59}
